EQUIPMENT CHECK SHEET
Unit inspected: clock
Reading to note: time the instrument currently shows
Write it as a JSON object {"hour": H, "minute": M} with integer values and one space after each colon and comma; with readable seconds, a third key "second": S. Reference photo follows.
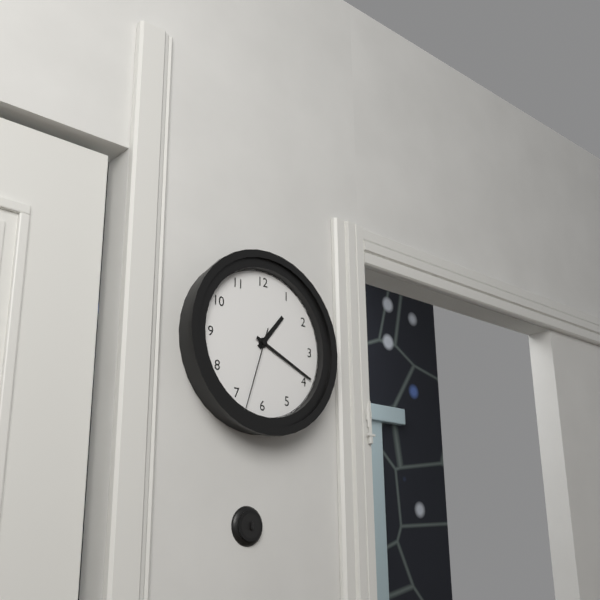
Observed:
{"hour": 1, "minute": 19, "second": 33}
